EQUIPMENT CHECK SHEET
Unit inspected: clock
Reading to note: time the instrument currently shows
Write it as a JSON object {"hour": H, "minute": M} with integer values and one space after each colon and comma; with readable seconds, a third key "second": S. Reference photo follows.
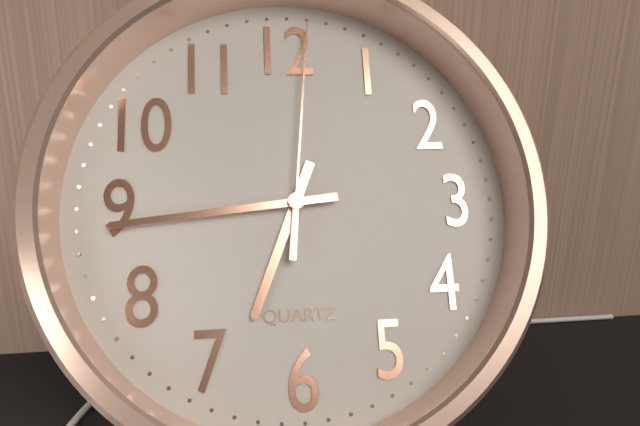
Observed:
{"hour": 6, "minute": 44, "second": 1}
